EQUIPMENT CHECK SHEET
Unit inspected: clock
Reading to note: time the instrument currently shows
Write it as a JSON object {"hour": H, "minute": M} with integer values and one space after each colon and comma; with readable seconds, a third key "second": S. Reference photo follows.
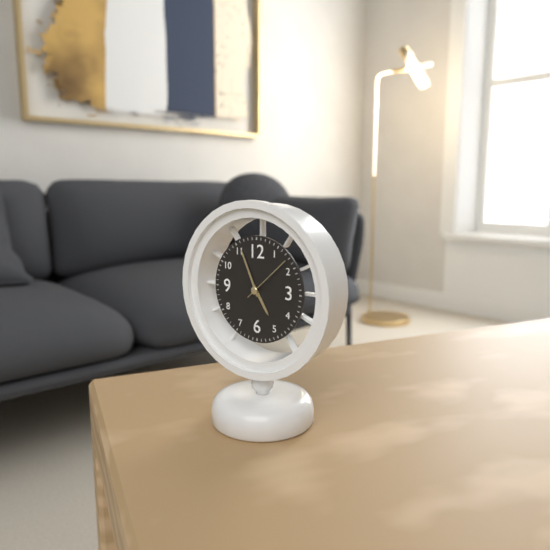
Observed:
{"hour": 4, "minute": 56, "second": 8}
